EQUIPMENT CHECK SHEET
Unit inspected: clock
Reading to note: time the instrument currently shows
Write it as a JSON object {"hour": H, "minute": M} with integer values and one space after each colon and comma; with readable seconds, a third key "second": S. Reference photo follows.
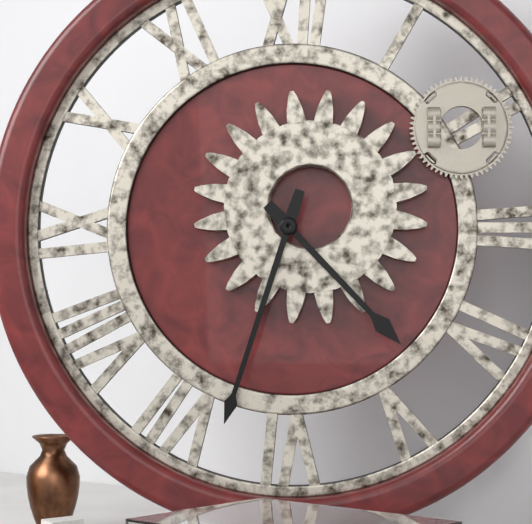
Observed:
{"hour": 4, "minute": 33}
